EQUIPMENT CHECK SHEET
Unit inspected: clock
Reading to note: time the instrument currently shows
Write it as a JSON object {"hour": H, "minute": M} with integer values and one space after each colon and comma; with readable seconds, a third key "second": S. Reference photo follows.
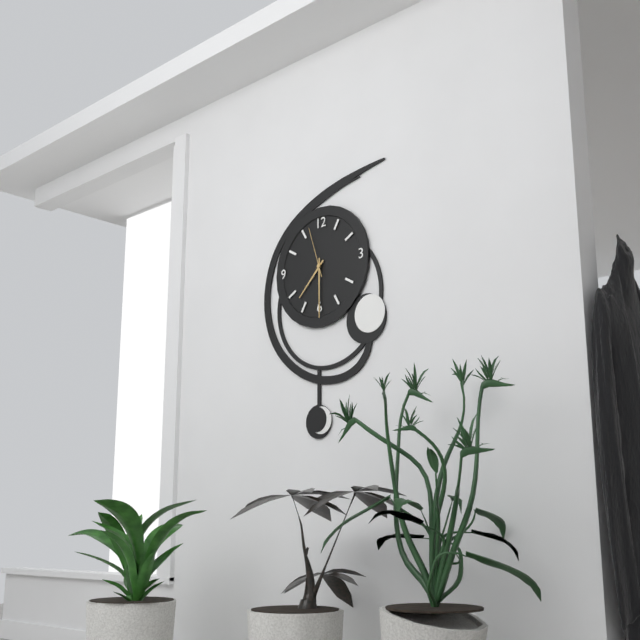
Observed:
{"hour": 7, "minute": 30}
